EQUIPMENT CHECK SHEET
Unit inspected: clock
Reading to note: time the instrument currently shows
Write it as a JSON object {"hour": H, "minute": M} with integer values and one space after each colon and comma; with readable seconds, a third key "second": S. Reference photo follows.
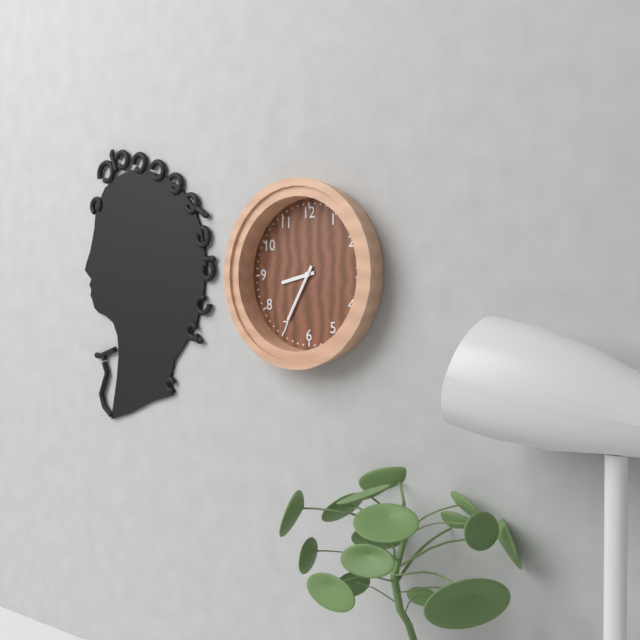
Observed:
{"hour": 8, "minute": 35}
